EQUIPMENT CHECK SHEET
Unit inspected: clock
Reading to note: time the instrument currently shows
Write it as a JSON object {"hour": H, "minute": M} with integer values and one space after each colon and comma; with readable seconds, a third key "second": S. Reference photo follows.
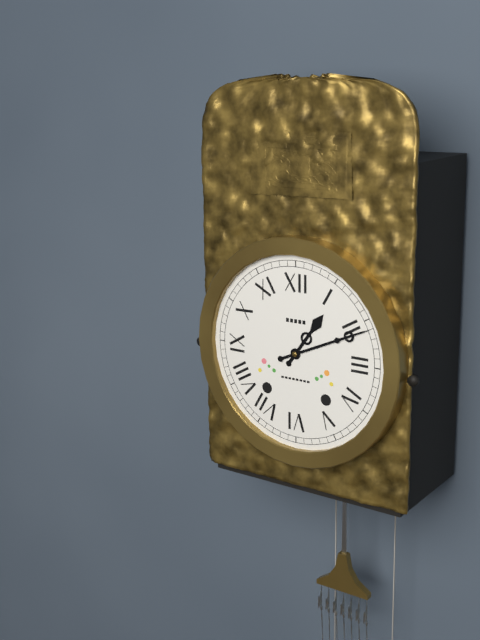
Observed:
{"hour": 1, "minute": 11}
